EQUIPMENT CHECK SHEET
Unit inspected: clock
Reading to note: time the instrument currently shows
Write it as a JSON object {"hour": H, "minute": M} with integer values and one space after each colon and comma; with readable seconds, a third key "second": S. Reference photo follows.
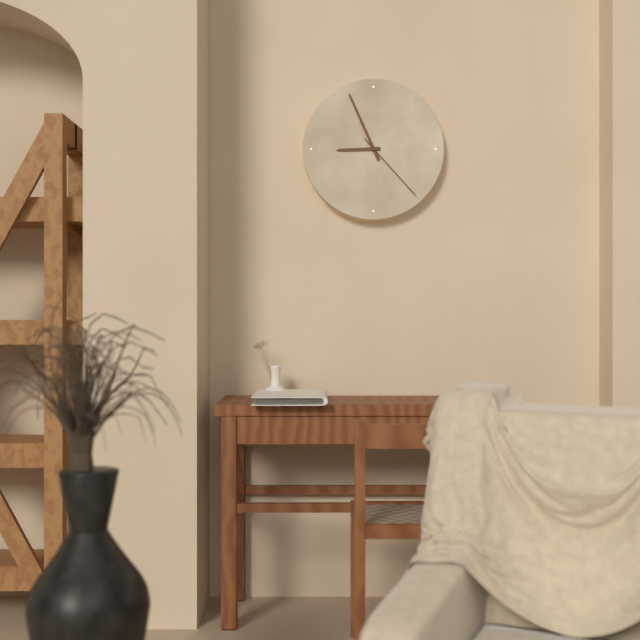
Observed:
{"hour": 8, "minute": 56, "second": 23}
